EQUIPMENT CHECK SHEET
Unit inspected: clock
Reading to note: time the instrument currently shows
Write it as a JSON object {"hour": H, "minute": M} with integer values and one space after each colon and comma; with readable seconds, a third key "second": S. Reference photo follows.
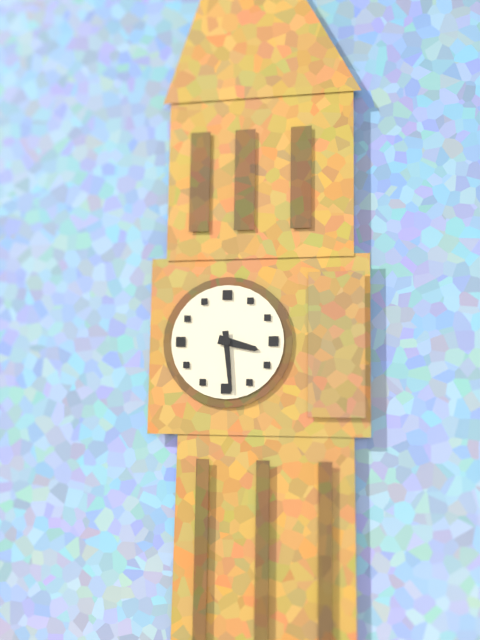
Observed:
{"hour": 3, "minute": 29}
